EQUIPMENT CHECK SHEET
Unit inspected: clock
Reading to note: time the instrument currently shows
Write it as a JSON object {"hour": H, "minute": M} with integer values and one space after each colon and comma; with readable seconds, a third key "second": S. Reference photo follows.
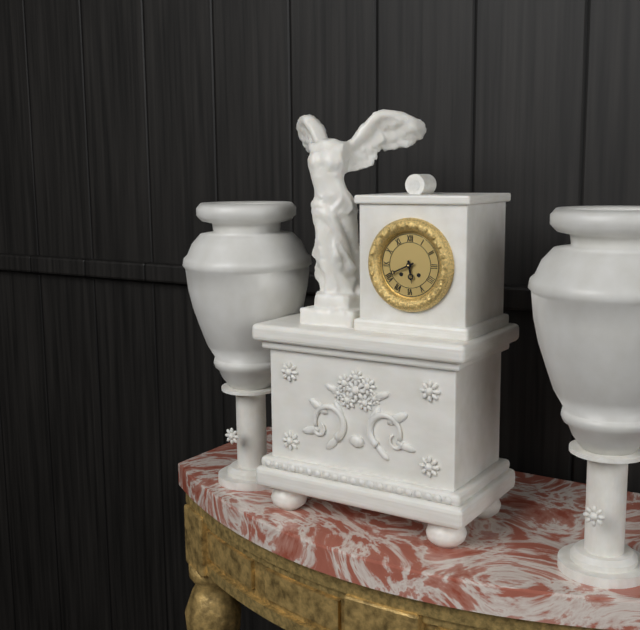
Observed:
{"hour": 5, "minute": 41}
